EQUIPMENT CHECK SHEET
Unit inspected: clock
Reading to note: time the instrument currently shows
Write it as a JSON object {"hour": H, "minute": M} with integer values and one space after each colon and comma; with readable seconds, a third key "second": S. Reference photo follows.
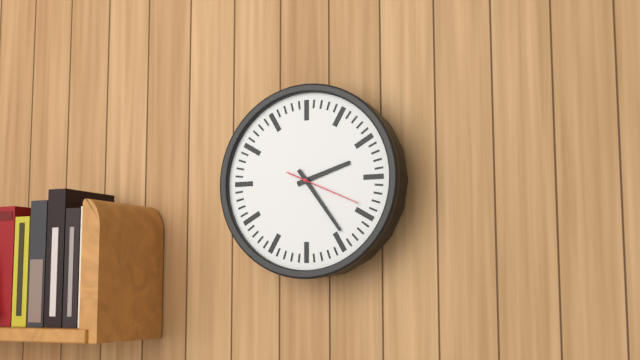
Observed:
{"hour": 2, "minute": 24, "second": 19}
